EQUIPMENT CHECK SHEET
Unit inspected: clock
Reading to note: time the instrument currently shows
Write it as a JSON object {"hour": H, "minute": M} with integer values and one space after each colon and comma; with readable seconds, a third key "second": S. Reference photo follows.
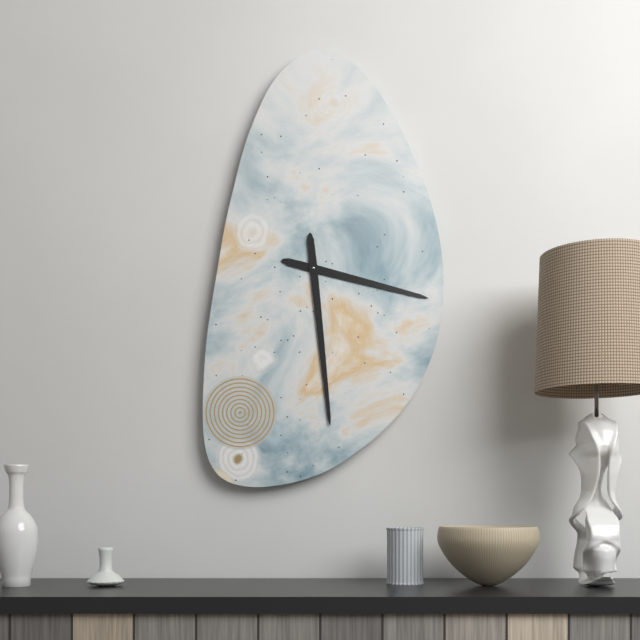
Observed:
{"hour": 3, "minute": 29}
